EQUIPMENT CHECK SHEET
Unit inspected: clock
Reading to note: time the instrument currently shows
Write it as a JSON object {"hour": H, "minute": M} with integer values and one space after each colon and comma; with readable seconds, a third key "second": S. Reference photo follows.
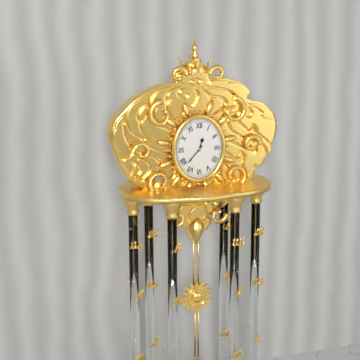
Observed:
{"hour": 12, "minute": 37}
